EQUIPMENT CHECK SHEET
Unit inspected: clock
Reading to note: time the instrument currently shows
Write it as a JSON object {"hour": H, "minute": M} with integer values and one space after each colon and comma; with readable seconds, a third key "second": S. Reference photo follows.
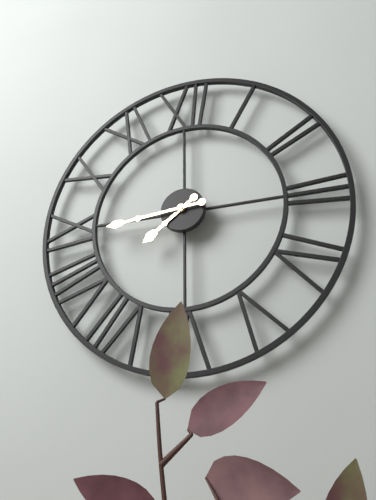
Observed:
{"hour": 7, "minute": 44}
